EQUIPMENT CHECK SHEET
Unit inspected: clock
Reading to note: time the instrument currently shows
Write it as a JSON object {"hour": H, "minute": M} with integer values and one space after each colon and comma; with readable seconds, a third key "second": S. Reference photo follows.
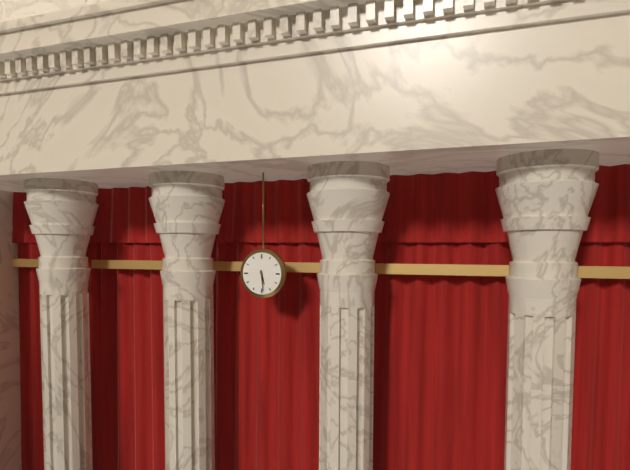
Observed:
{"hour": 5, "minute": 29}
